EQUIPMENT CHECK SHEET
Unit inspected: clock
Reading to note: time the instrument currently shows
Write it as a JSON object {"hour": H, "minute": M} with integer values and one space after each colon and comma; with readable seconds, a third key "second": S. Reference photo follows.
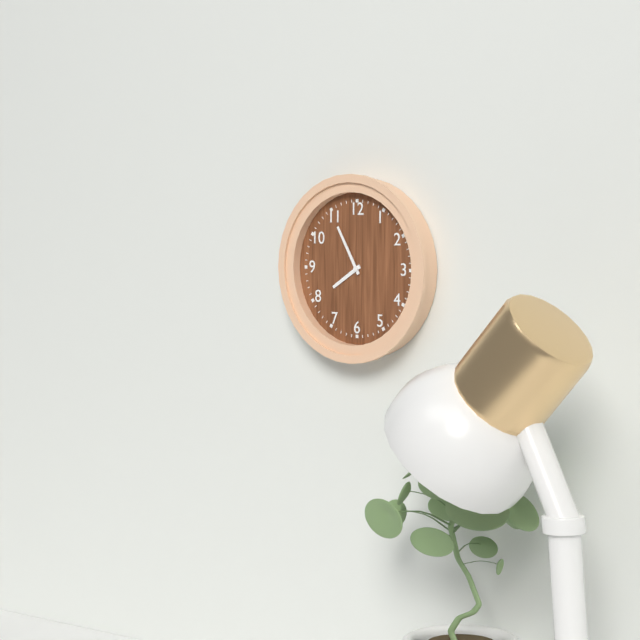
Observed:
{"hour": 7, "minute": 55}
